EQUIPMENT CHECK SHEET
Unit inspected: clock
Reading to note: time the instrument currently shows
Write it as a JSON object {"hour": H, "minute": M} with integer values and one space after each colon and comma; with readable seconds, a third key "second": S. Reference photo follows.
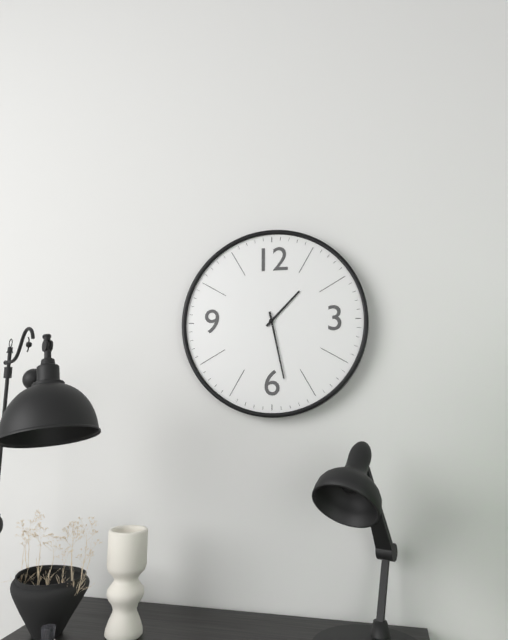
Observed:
{"hour": 1, "minute": 28}
